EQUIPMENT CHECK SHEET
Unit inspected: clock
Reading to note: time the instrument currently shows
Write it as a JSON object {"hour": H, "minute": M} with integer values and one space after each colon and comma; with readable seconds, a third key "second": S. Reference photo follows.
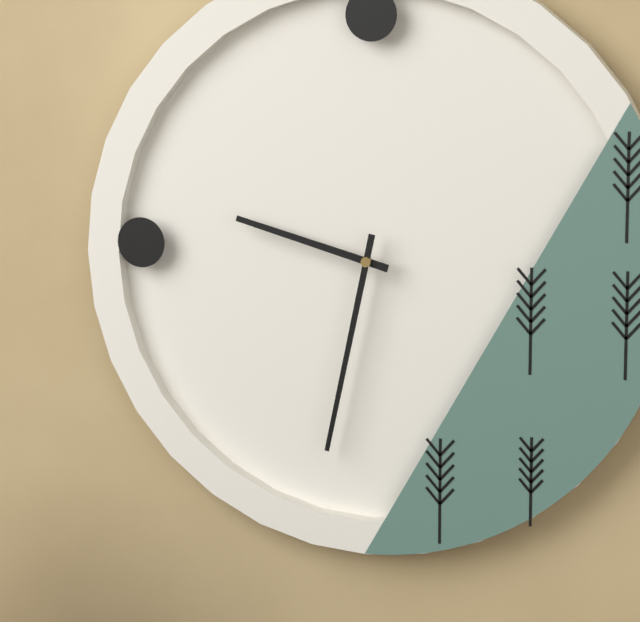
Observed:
{"hour": 9, "minute": 32}
